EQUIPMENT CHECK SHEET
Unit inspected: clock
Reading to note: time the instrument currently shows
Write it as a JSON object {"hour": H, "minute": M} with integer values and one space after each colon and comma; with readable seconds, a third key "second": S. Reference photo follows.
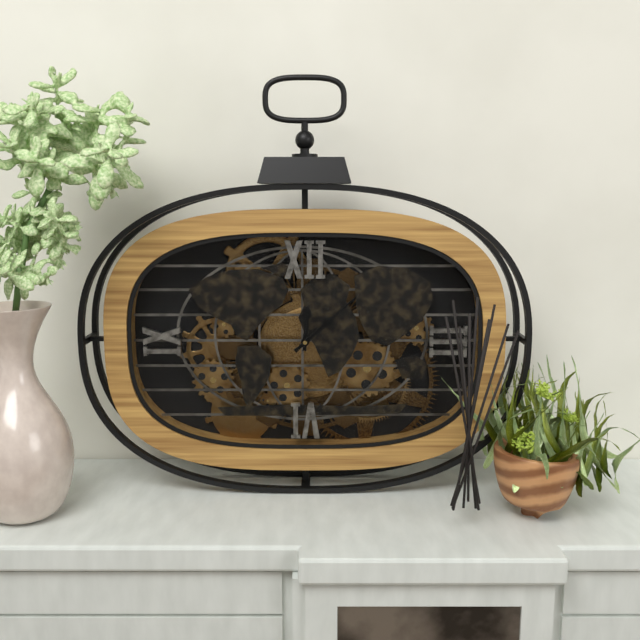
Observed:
{"hour": 12, "minute": 8}
